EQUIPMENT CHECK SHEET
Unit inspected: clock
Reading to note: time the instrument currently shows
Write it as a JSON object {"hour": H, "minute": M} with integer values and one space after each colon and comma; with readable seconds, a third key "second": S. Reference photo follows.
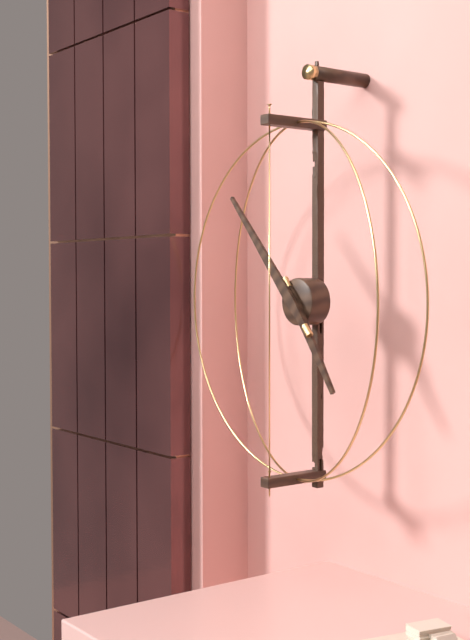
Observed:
{"hour": 4, "minute": 53}
